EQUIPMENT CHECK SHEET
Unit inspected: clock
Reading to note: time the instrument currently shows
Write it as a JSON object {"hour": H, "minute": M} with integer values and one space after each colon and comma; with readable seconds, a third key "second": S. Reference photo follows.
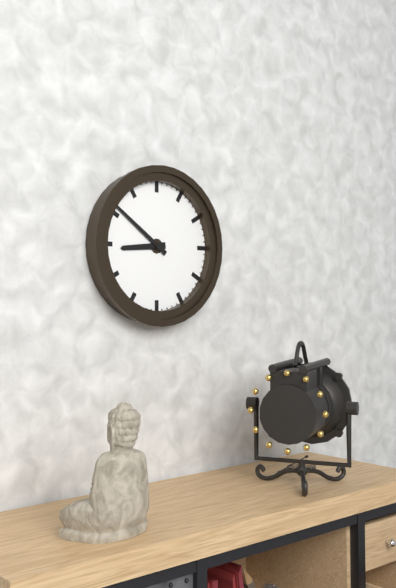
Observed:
{"hour": 8, "minute": 51}
